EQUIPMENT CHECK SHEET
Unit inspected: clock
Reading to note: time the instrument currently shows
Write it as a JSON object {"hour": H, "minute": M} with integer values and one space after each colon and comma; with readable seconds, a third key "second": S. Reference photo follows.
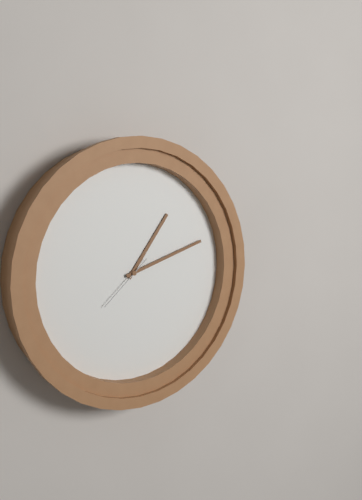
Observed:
{"hour": 1, "minute": 12, "second": 38}
